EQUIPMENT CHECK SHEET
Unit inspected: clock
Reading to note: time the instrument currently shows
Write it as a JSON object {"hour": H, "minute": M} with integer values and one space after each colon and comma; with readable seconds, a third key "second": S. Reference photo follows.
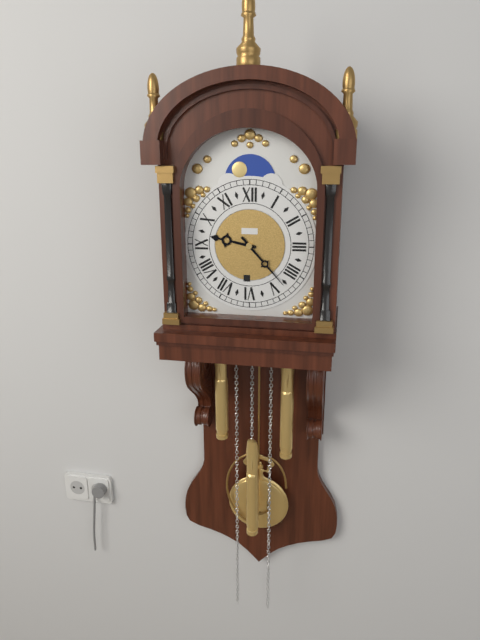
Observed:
{"hour": 9, "minute": 23}
